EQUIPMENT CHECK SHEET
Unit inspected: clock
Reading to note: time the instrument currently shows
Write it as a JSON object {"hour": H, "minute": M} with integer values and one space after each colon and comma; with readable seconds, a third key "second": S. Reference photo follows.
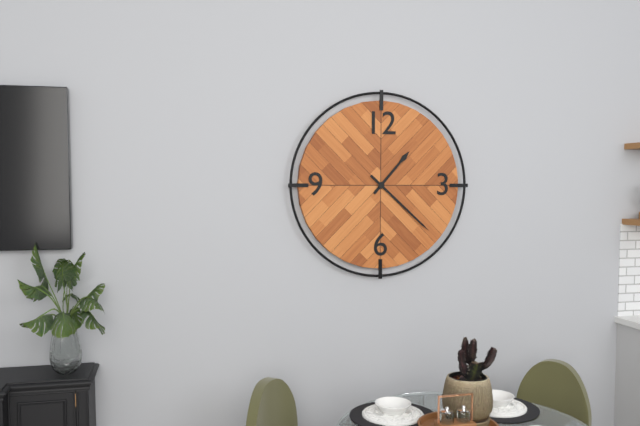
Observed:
{"hour": 1, "minute": 22}
